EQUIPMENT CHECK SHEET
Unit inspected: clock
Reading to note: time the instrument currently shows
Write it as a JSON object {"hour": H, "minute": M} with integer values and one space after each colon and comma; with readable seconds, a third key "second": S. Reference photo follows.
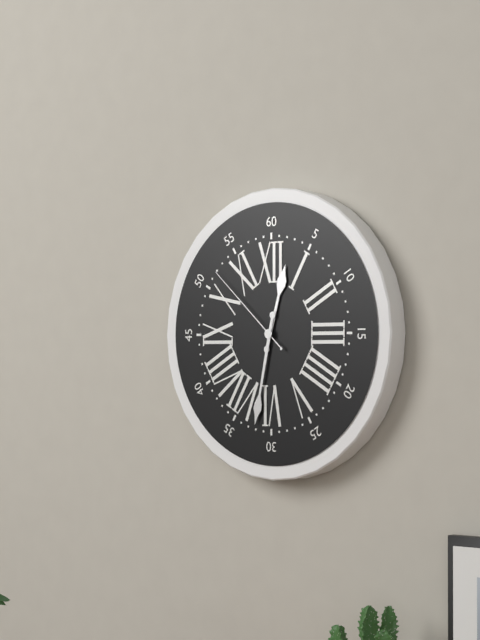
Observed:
{"hour": 12, "minute": 32, "second": 52}
